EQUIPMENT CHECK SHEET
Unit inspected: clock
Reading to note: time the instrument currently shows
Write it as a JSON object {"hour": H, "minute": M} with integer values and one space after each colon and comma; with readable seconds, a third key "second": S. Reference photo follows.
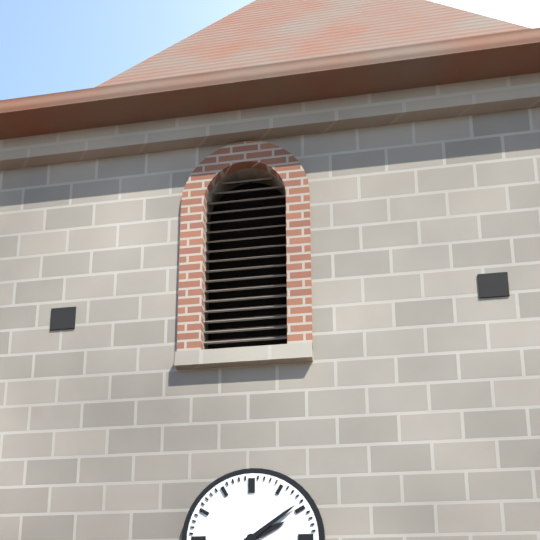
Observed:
{"hour": 2, "minute": 9}
